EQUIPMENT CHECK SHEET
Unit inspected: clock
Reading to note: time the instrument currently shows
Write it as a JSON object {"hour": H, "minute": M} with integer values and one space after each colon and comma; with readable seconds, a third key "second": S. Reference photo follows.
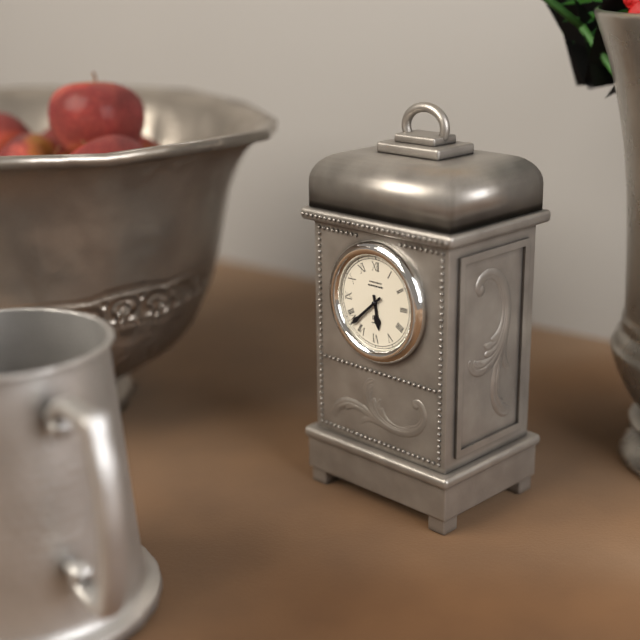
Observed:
{"hour": 5, "minute": 38}
